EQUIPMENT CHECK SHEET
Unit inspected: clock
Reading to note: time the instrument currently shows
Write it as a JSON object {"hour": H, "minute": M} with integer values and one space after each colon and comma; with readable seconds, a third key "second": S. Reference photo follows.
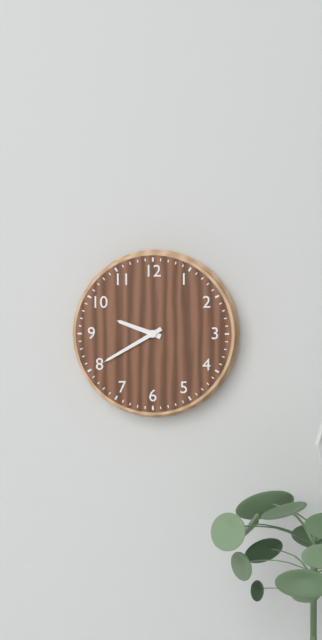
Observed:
{"hour": 9, "minute": 40}
